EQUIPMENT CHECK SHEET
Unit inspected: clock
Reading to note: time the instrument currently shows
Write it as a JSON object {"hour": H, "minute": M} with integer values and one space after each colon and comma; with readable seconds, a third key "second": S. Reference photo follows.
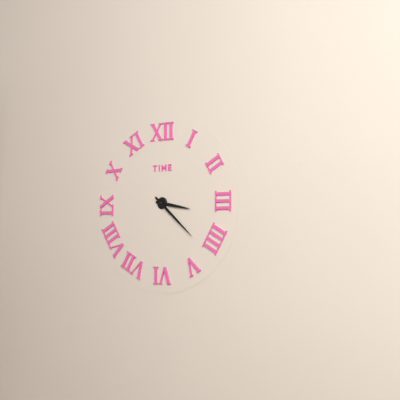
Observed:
{"hour": 3, "minute": 22}
